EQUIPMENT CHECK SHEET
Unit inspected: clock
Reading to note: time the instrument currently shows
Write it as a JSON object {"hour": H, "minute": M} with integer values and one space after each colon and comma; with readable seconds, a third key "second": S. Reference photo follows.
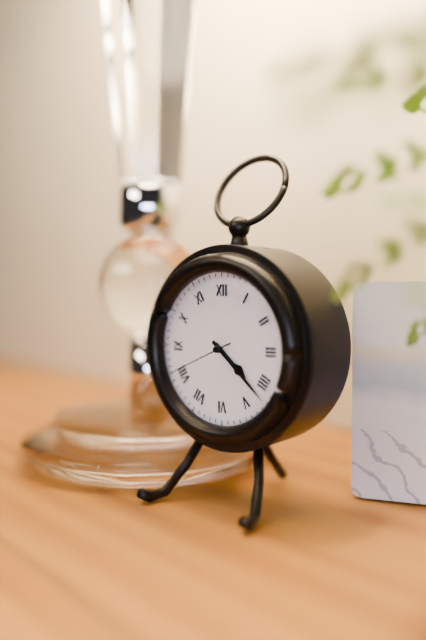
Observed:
{"hour": 4, "minute": 22, "second": 41}
